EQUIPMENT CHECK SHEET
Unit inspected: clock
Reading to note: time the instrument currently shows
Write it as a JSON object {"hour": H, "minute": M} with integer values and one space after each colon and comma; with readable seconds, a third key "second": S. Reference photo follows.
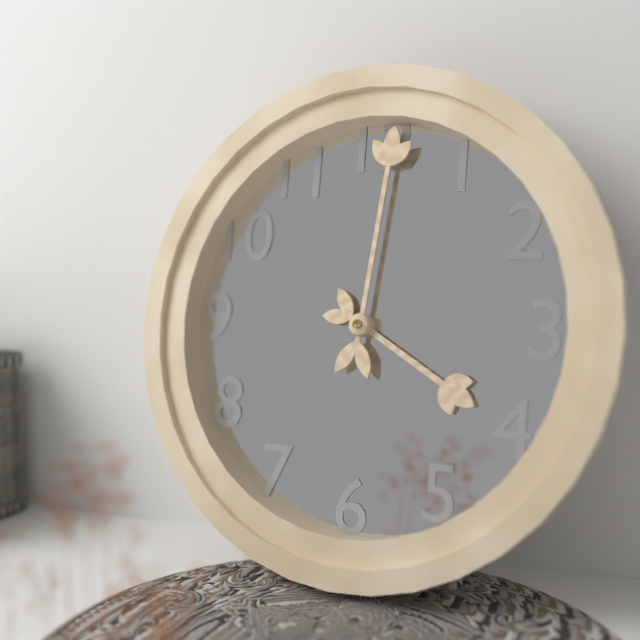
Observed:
{"hour": 4, "minute": 1}
